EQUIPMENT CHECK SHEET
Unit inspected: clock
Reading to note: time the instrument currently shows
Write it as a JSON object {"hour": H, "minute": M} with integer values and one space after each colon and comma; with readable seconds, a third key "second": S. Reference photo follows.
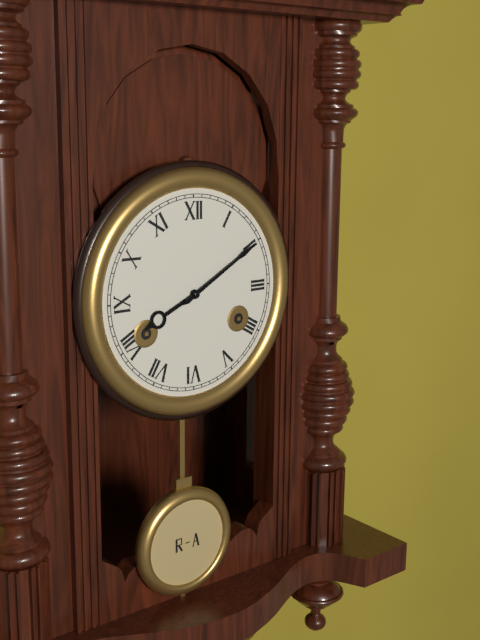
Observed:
{"hour": 8, "minute": 10}
